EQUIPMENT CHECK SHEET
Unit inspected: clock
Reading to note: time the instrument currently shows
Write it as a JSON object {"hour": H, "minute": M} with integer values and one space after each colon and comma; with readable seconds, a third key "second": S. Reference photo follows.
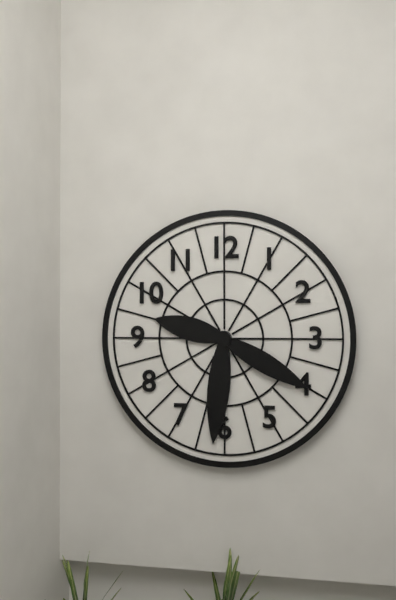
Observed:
{"hour": 9, "minute": 31, "second": 20}
